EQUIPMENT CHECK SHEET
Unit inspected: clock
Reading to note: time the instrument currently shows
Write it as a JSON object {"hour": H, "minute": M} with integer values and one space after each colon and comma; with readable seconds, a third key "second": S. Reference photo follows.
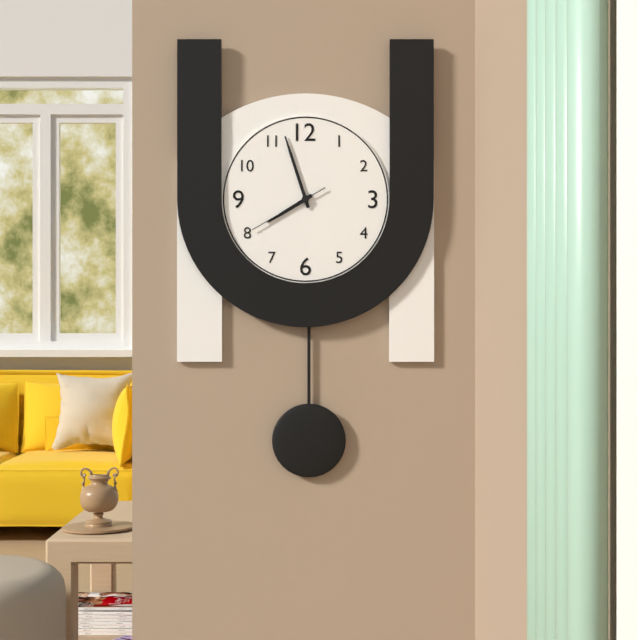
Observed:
{"hour": 7, "minute": 57, "second": 40}
